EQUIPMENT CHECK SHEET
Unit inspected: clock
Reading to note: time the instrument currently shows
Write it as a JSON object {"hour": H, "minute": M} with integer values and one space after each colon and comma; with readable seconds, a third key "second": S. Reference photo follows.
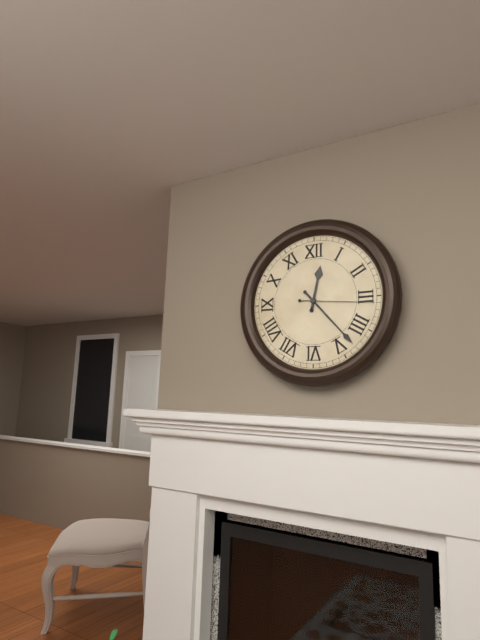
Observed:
{"hour": 12, "minute": 23, "second": 16}
